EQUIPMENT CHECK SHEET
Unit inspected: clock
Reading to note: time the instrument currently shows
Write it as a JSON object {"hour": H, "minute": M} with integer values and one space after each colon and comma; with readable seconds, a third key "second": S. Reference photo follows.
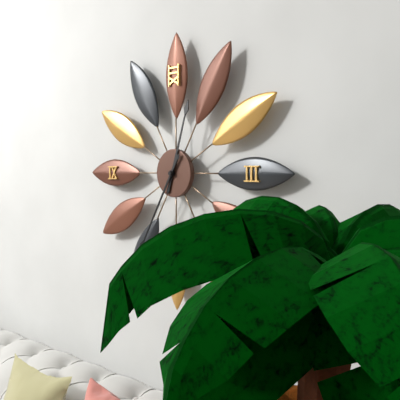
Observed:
{"hour": 12, "minute": 35}
